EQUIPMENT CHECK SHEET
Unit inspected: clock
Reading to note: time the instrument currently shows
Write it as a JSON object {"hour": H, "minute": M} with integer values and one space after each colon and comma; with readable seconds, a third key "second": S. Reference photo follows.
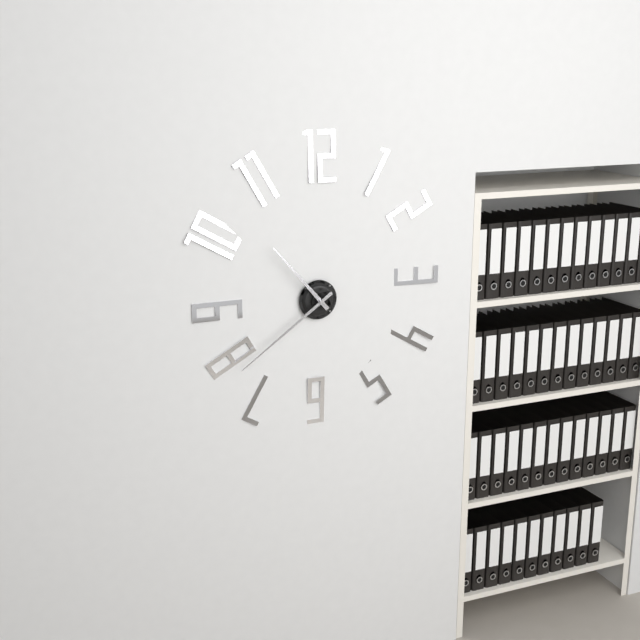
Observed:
{"hour": 10, "minute": 39}
